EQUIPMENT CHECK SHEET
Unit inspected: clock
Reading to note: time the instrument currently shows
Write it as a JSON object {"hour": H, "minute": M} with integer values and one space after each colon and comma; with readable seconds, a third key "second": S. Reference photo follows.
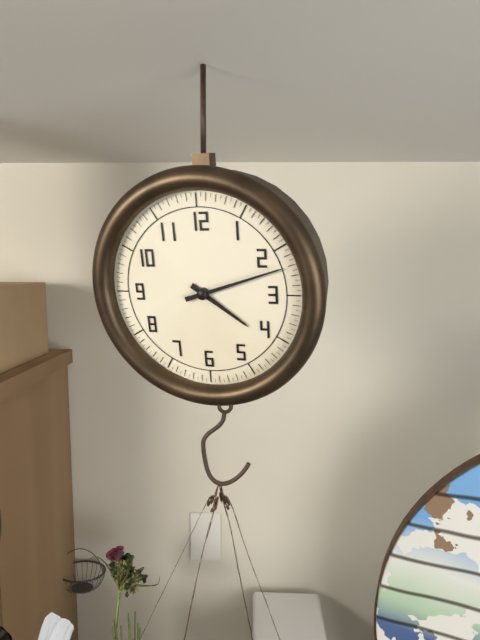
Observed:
{"hour": 4, "minute": 12}
